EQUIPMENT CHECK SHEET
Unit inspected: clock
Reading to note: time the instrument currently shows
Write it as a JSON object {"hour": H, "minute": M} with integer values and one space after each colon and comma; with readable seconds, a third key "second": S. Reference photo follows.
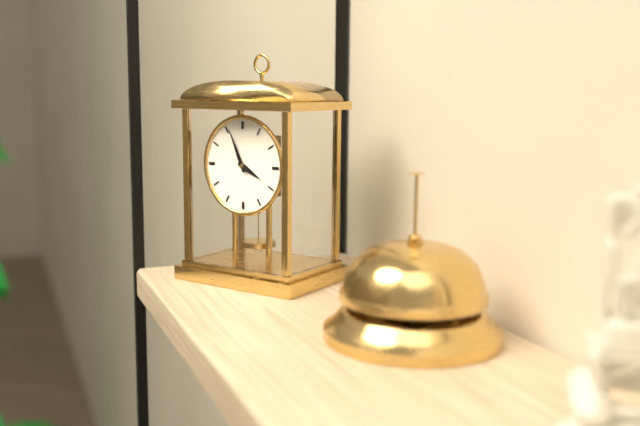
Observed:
{"hour": 3, "minute": 56}
